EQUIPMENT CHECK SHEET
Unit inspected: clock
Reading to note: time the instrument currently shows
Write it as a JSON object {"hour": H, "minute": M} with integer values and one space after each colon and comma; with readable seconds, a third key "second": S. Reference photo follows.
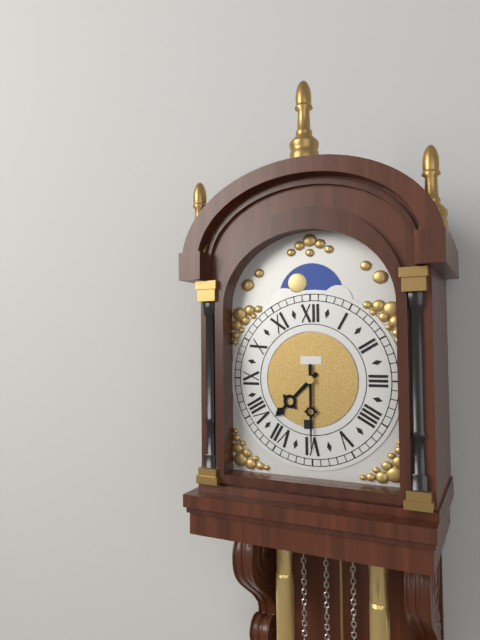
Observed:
{"hour": 7, "minute": 30}
